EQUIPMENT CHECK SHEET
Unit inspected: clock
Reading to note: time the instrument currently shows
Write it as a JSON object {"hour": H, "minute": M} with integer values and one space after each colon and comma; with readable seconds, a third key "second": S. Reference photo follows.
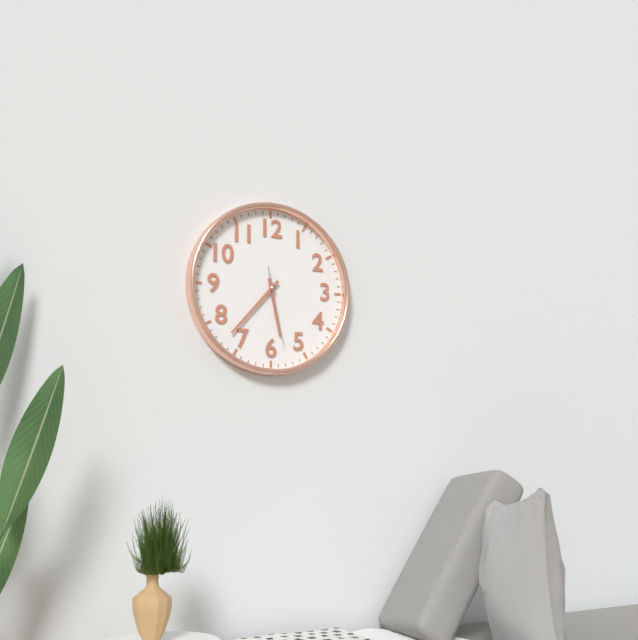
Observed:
{"hour": 5, "minute": 37, "second": 28}
